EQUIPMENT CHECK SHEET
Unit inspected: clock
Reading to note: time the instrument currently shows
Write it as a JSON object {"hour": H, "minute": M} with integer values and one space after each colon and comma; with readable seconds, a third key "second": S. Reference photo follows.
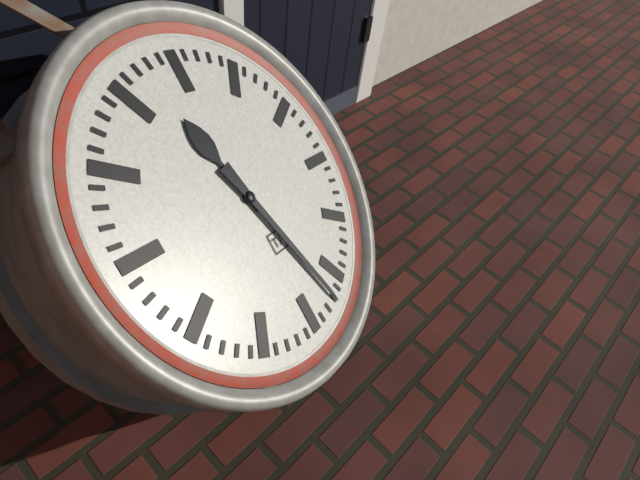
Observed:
{"hour": 11, "minute": 27}
